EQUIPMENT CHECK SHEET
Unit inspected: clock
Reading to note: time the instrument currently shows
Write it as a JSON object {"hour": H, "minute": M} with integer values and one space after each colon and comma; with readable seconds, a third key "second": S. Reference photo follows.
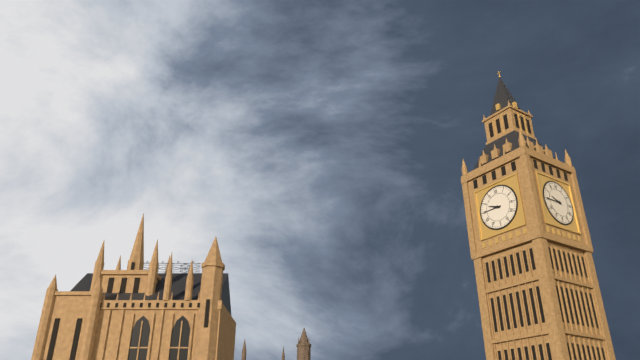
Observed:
{"hour": 9, "minute": 45}
